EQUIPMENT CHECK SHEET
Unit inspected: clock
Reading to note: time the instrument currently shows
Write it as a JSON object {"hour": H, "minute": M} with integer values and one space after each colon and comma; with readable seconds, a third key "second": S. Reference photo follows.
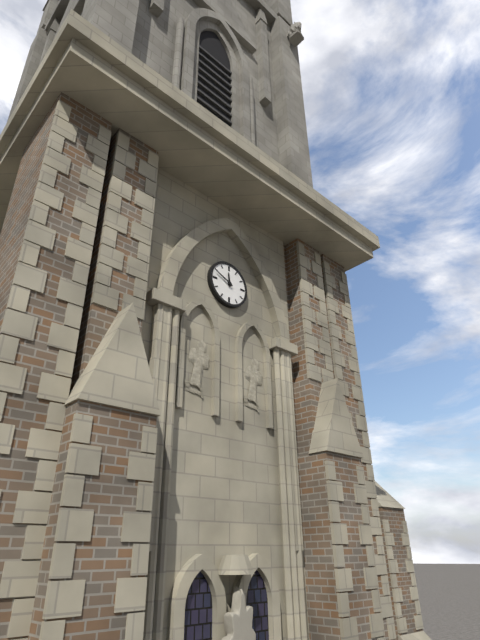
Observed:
{"hour": 11, "minute": 49}
